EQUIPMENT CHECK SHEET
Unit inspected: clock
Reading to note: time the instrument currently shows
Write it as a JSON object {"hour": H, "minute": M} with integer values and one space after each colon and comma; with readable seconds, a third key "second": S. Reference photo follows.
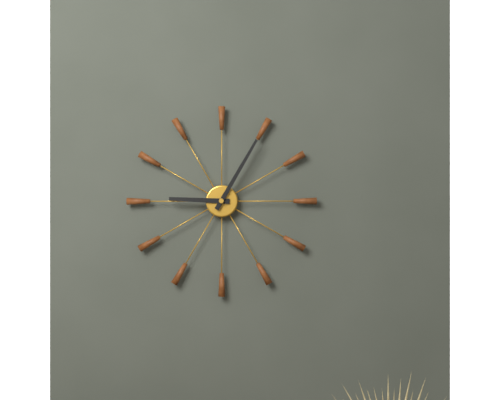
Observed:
{"hour": 9, "minute": 5}
